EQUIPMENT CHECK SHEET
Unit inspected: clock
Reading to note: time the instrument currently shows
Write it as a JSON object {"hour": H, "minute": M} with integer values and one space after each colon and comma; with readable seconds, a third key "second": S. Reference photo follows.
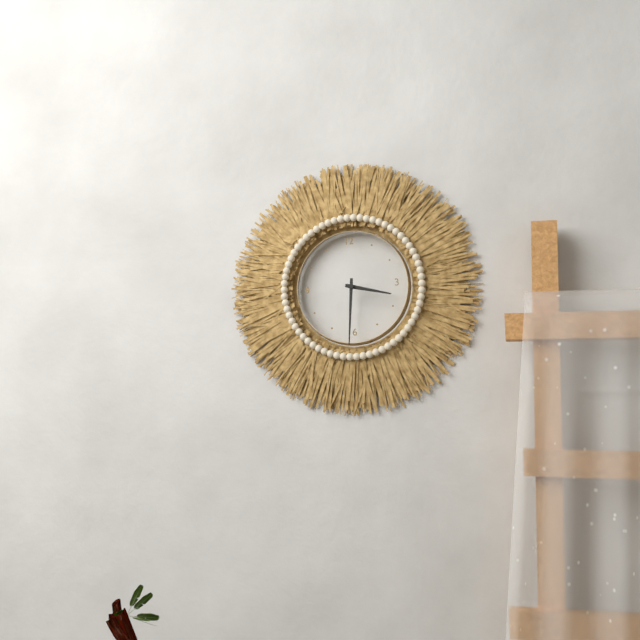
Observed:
{"hour": 3, "minute": 31}
